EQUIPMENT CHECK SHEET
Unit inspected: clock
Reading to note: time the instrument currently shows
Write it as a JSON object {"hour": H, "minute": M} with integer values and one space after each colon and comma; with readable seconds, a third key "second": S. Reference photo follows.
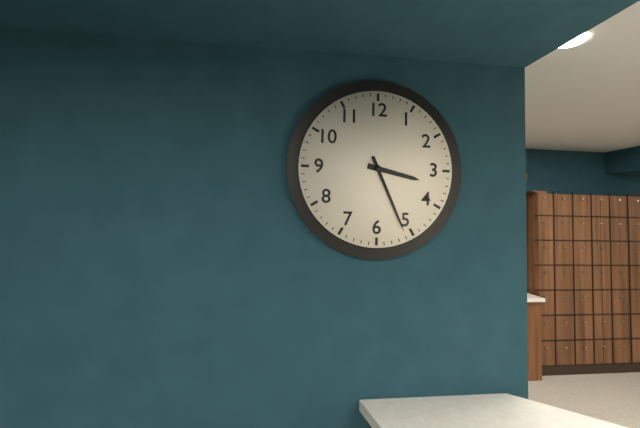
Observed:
{"hour": 3, "minute": 26}
